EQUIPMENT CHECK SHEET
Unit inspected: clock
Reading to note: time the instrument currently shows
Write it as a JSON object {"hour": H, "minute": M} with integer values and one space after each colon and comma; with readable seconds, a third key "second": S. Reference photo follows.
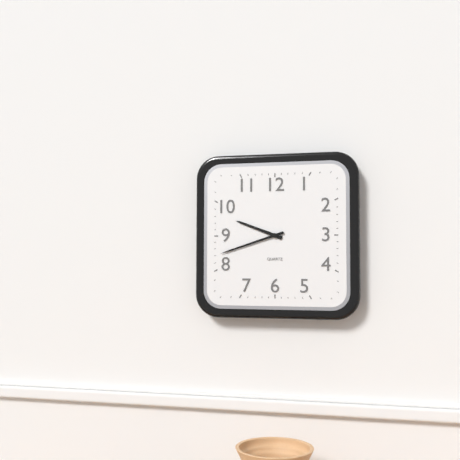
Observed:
{"hour": 9, "minute": 42}
